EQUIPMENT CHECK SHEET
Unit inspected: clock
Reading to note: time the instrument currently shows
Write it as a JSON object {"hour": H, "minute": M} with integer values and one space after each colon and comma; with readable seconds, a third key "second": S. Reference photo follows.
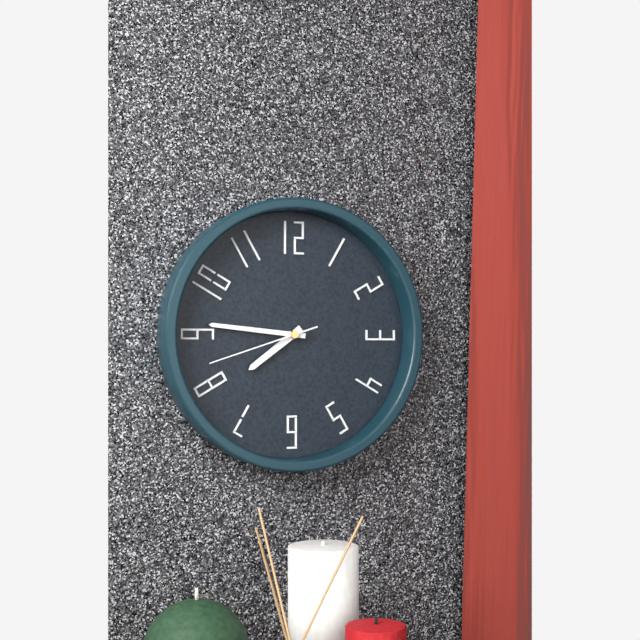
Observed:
{"hour": 7, "minute": 46, "second": 42}
